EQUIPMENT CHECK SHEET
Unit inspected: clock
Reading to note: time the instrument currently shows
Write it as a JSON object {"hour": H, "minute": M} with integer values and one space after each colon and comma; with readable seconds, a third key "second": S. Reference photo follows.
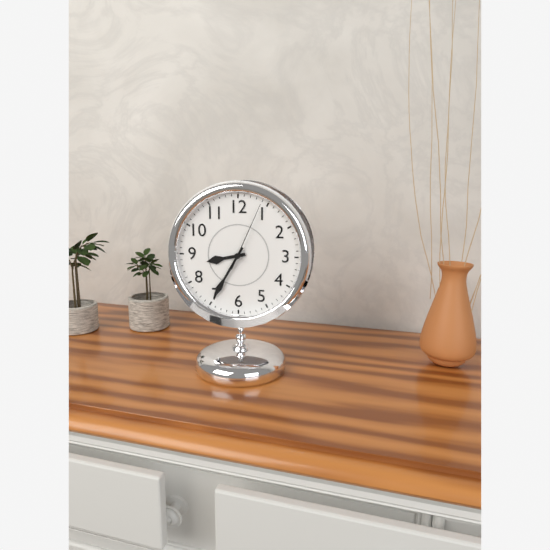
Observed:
{"hour": 8, "minute": 35, "second": 4}
